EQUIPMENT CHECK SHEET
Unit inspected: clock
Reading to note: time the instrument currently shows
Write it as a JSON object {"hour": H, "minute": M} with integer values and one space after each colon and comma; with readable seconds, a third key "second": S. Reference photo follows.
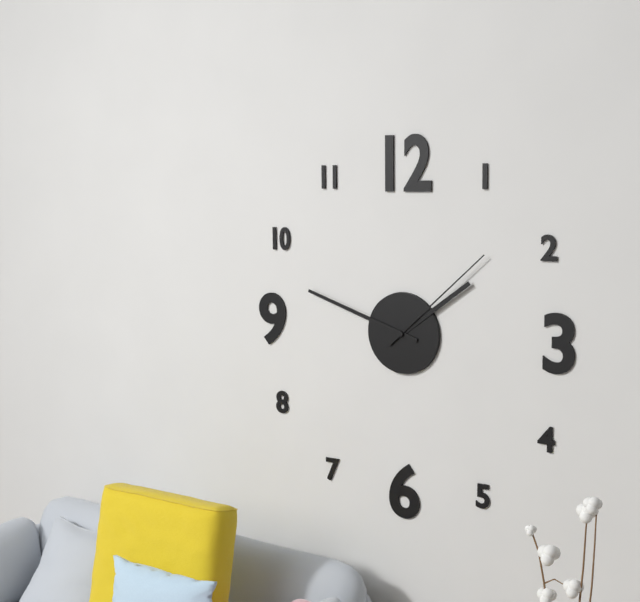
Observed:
{"hour": 1, "minute": 48, "second": 8}
